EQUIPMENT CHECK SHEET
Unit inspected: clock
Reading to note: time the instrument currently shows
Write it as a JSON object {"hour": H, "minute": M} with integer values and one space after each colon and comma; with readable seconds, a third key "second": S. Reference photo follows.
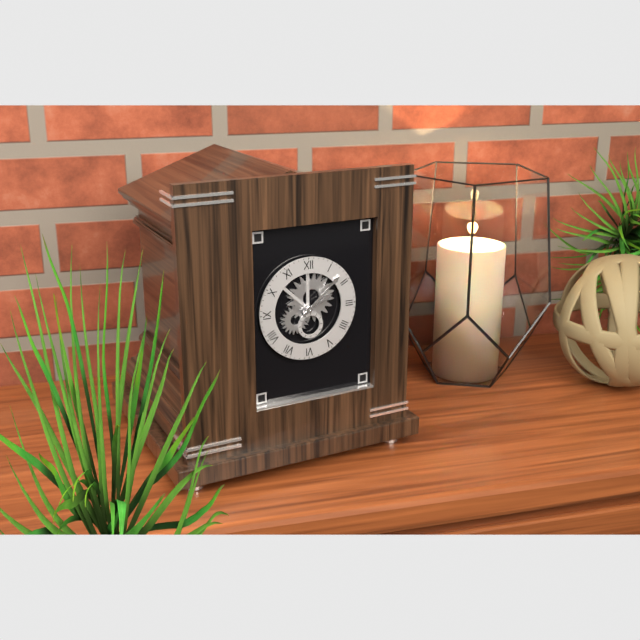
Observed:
{"hour": 2, "minute": 8}
